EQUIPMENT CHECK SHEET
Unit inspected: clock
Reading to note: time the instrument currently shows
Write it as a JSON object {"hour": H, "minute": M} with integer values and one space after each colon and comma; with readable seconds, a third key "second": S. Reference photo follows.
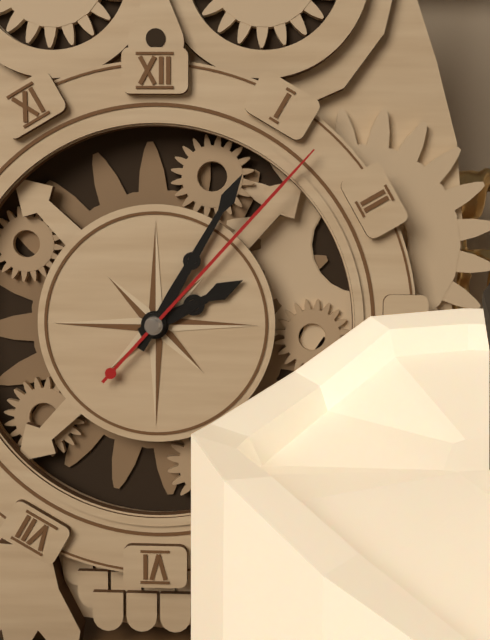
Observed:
{"hour": 2, "minute": 5, "second": 7}
